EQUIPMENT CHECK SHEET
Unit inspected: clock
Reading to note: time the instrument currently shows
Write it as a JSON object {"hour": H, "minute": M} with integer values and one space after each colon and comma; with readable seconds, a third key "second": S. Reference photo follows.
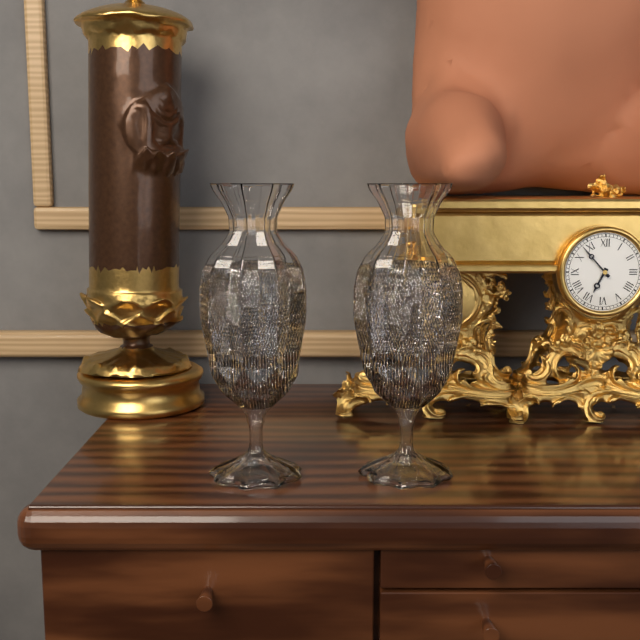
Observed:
{"hour": 6, "minute": 53}
